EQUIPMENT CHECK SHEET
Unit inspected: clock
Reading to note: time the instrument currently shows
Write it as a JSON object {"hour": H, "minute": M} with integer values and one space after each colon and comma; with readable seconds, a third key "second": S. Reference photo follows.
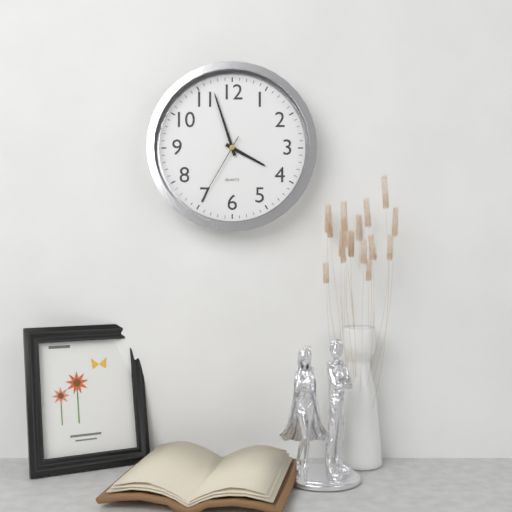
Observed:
{"hour": 3, "minute": 57, "second": 35}
